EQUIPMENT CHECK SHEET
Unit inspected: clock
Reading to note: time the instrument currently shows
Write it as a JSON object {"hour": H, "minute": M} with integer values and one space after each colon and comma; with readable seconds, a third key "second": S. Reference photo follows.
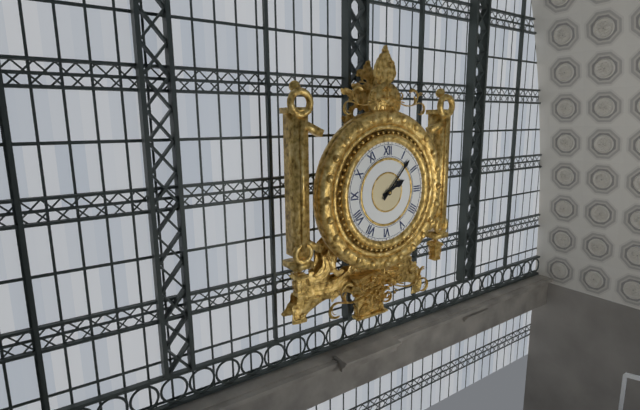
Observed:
{"hour": 2, "minute": 7}
